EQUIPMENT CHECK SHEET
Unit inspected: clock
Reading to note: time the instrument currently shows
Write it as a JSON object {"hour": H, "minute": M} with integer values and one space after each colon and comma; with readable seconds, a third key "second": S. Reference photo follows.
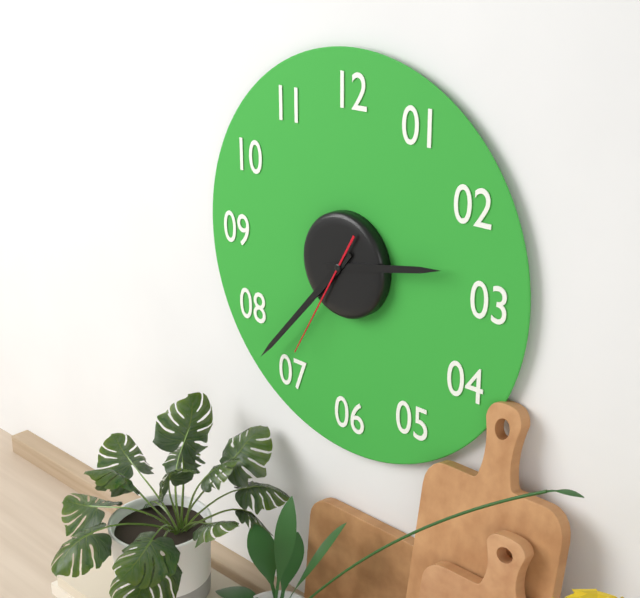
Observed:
{"hour": 2, "minute": 37, "second": 35}
